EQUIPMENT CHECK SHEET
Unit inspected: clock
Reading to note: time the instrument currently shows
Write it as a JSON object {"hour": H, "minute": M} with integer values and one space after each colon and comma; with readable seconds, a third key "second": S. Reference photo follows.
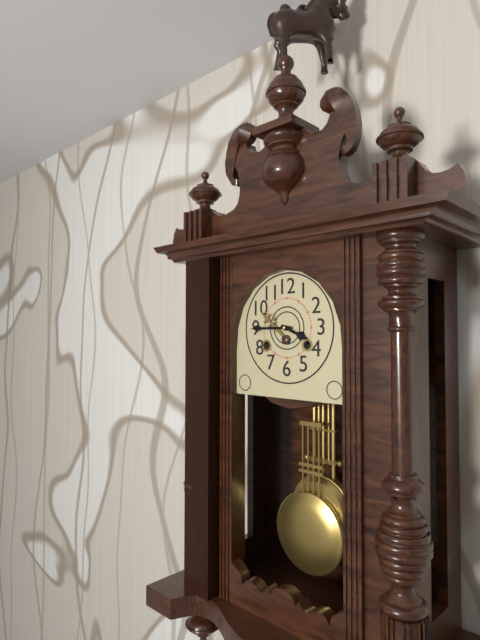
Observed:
{"hour": 3, "minute": 45}
